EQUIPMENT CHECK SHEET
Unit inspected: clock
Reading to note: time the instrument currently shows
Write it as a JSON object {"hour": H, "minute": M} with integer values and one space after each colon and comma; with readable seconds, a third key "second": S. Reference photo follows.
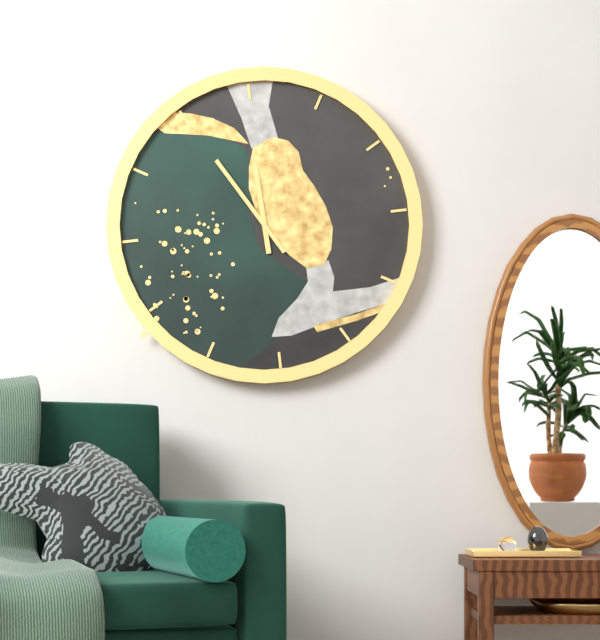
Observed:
{"hour": 11, "minute": 55}
